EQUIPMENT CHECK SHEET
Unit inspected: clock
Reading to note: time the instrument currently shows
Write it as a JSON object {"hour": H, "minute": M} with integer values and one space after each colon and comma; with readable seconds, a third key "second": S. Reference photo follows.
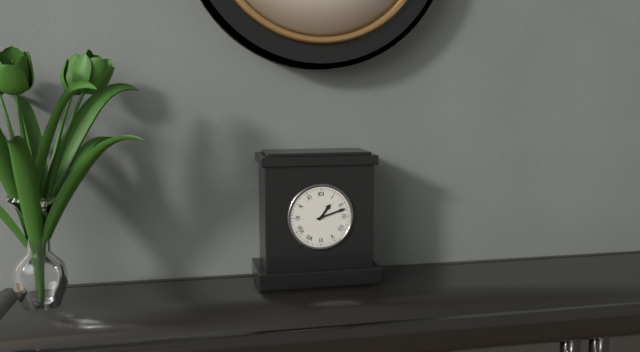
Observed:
{"hour": 1, "minute": 12}
